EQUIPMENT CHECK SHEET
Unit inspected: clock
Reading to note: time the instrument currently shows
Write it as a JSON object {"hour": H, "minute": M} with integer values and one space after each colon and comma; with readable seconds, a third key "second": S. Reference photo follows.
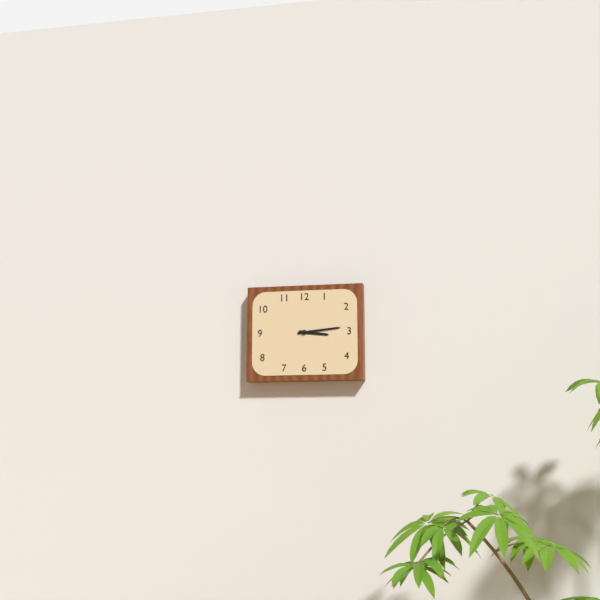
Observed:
{"hour": 3, "minute": 14}
